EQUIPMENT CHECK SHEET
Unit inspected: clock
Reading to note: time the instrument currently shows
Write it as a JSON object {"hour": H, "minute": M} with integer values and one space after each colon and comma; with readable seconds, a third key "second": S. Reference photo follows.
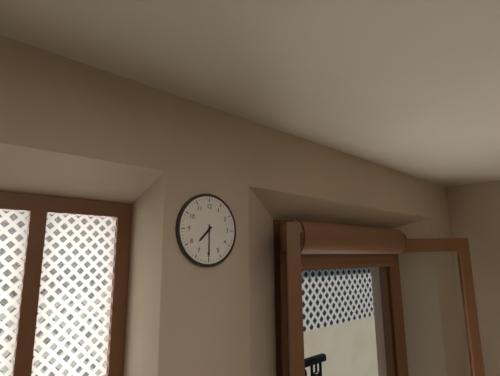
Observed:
{"hour": 7, "minute": 30}
